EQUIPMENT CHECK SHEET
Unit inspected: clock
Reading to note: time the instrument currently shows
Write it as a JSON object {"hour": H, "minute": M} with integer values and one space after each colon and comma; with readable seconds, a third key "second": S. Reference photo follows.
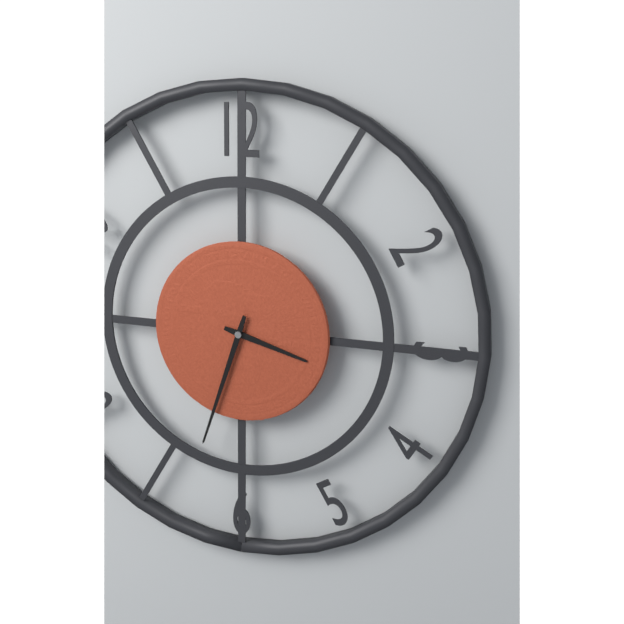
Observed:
{"hour": 3, "minute": 33}
